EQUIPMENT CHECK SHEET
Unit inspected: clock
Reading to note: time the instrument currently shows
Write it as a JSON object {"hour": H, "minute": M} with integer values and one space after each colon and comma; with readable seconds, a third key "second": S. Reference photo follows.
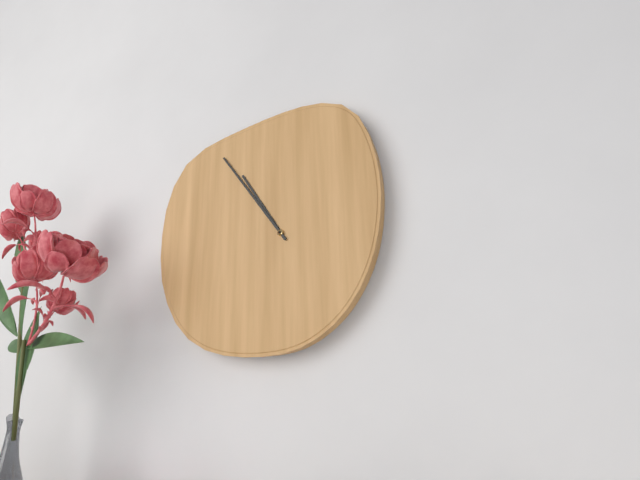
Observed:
{"hour": 10, "minute": 54}
